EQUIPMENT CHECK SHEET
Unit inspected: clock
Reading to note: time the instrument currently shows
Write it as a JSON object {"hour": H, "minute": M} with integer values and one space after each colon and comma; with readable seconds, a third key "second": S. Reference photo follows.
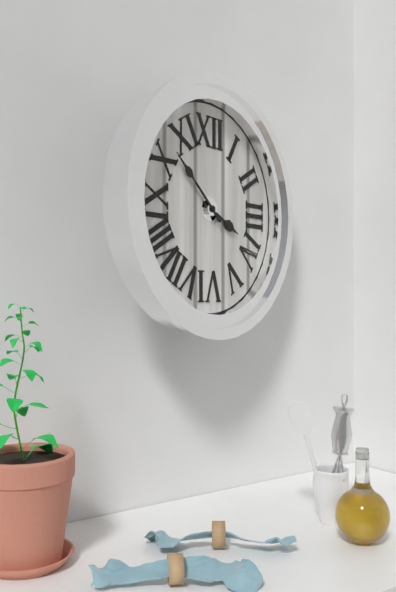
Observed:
{"hour": 3, "minute": 52}
